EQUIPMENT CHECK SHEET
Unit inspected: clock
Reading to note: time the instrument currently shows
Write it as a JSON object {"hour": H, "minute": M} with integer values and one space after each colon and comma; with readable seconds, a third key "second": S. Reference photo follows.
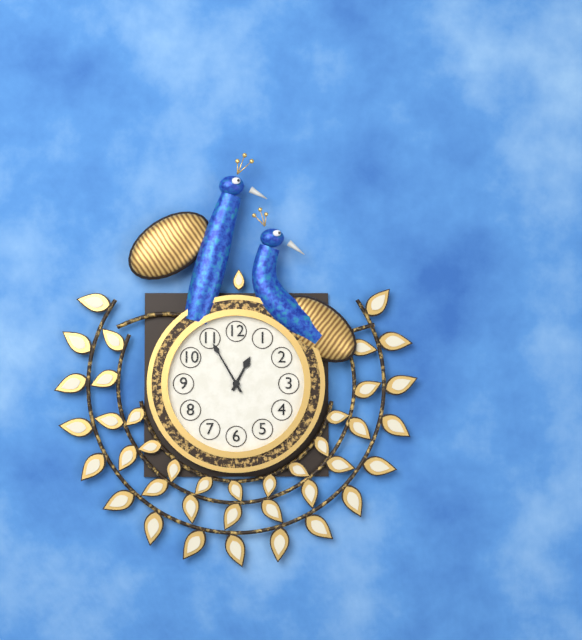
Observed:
{"hour": 12, "minute": 55}
